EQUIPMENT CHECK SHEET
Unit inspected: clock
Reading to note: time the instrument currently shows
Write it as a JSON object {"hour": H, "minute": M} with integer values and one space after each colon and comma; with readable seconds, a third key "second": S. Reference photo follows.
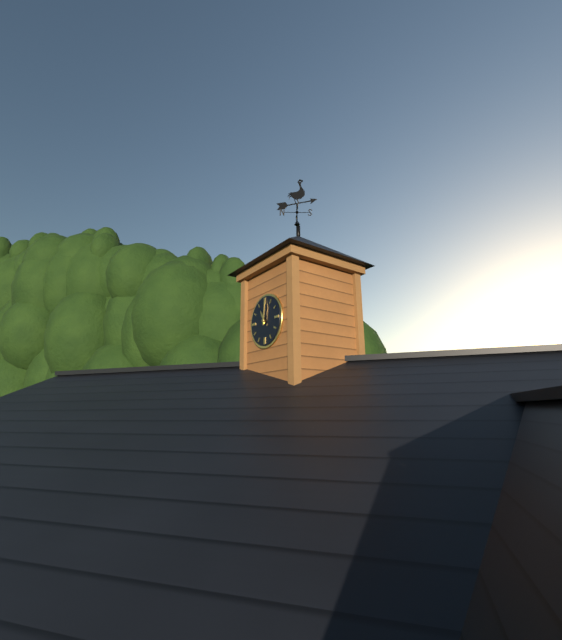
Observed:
{"hour": 11, "minute": 1}
